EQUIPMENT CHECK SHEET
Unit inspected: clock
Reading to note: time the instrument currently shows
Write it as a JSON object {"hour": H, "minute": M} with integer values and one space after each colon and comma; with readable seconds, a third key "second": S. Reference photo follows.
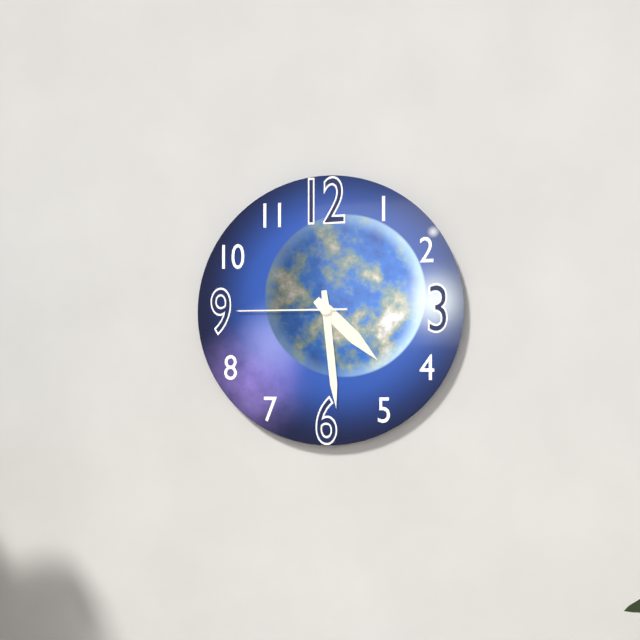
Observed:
{"hour": 4, "minute": 29, "second": 45}
